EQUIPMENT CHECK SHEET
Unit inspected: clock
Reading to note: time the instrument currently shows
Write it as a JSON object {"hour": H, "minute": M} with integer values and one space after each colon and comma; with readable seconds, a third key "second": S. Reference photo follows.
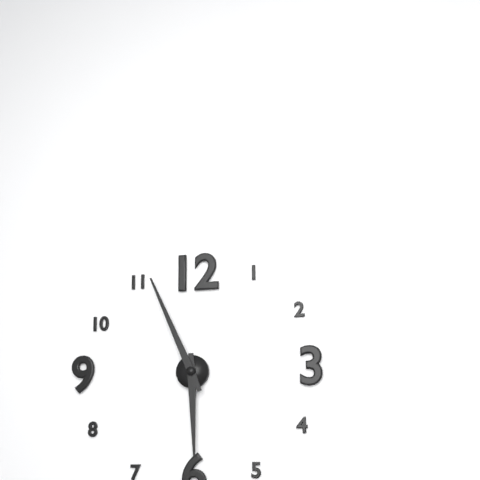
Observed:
{"hour": 5, "minute": 56}
